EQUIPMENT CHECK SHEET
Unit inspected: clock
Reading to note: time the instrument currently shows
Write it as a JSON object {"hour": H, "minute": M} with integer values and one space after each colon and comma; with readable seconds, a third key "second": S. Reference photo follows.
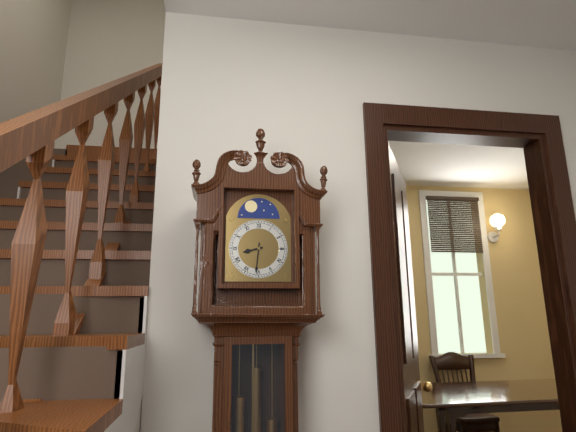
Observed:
{"hour": 8, "minute": 31}
